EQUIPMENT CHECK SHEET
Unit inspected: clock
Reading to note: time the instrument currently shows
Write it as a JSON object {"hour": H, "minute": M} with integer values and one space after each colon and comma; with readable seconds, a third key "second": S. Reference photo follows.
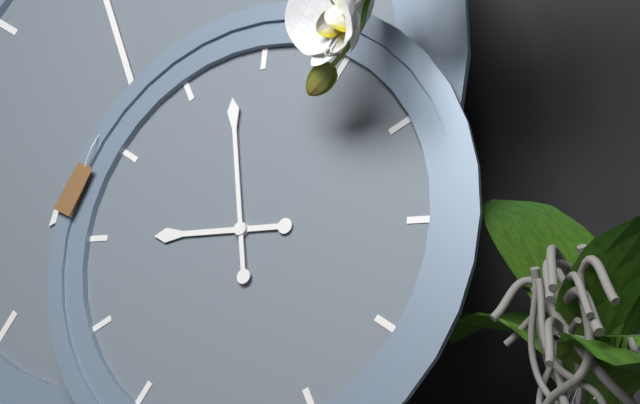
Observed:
{"hour": 8, "minute": 58}
